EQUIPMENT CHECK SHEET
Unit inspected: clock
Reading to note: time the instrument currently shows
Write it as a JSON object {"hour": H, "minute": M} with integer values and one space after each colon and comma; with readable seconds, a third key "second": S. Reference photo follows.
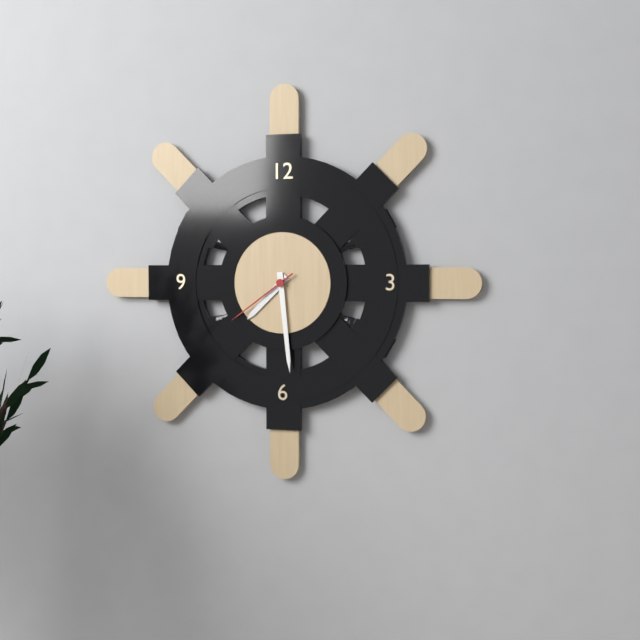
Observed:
{"hour": 7, "minute": 29, "second": 39}
